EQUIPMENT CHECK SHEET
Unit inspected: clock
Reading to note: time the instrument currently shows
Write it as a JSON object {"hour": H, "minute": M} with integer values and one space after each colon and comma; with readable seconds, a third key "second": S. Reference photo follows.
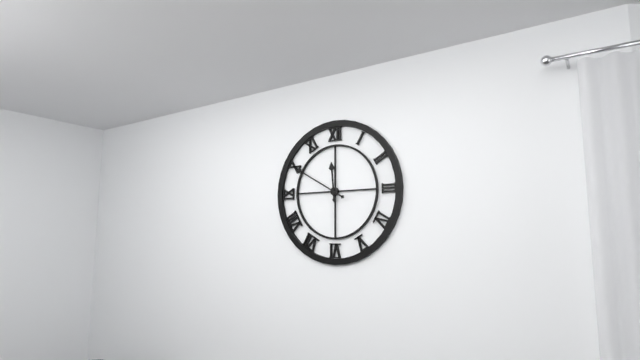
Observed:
{"hour": 11, "minute": 50}
